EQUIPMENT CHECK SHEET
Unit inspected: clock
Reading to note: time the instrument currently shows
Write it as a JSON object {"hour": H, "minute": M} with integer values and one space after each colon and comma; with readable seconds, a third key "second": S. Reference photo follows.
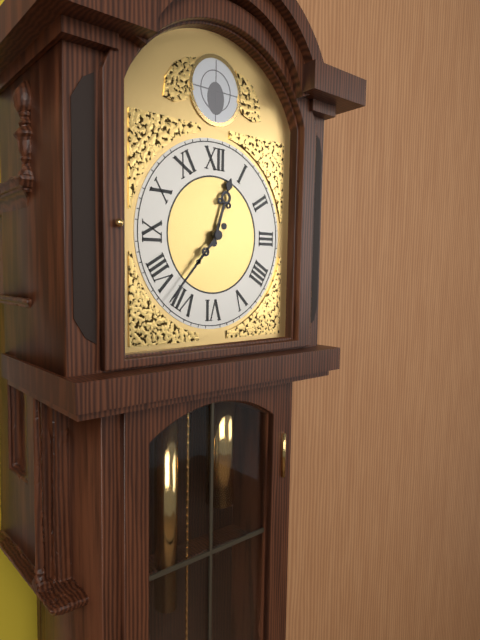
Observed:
{"hour": 12, "minute": 37}
